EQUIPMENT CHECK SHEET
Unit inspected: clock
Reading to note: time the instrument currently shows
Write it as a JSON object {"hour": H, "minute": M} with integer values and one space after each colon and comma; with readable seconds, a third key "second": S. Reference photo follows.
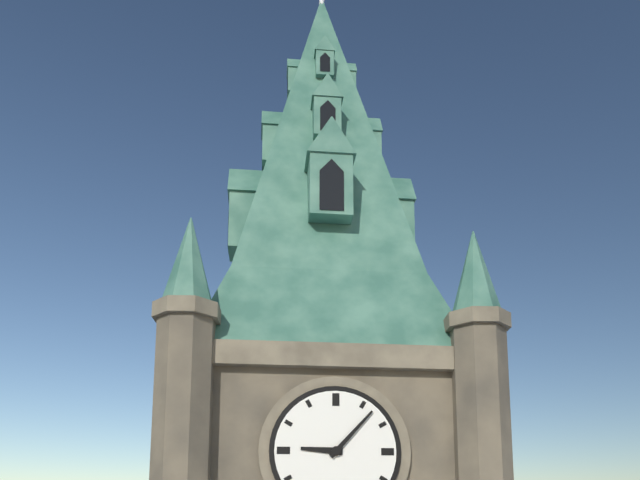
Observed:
{"hour": 9, "minute": 7}
